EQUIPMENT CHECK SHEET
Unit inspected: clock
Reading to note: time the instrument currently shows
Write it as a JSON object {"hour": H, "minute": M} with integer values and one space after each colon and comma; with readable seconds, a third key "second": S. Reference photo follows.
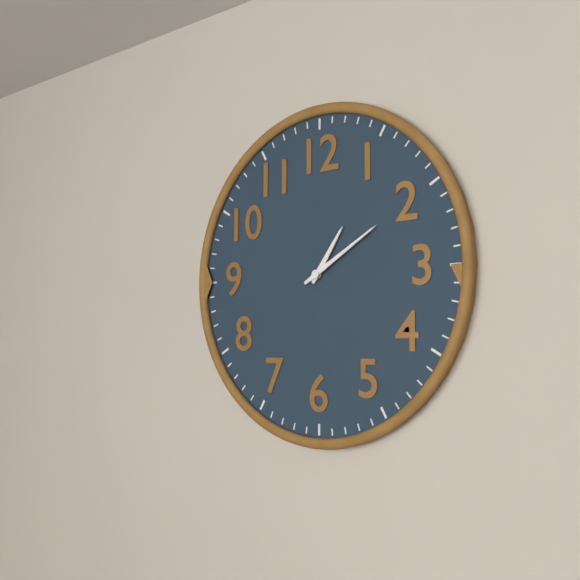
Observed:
{"hour": 1, "minute": 10}
